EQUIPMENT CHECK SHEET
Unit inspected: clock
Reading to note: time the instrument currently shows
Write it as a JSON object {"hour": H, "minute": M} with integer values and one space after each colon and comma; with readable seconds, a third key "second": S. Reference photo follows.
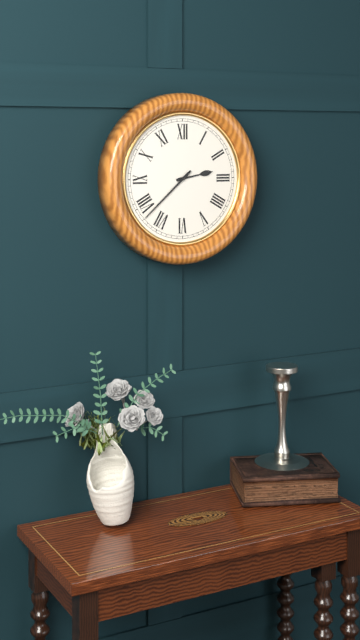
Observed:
{"hour": 2, "minute": 38}
